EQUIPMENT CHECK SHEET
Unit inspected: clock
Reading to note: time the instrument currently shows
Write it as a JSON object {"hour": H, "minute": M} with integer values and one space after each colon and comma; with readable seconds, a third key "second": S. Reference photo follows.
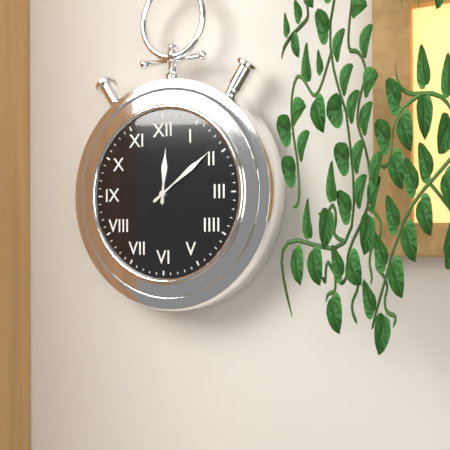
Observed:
{"hour": 12, "minute": 9}
